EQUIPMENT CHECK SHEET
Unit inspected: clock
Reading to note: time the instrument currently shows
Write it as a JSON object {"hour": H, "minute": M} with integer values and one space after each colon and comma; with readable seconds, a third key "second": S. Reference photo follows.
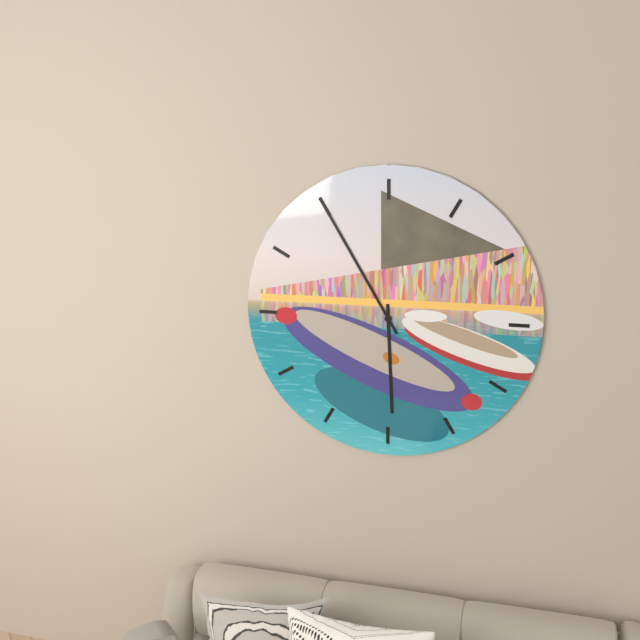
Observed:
{"hour": 5, "minute": 55}
